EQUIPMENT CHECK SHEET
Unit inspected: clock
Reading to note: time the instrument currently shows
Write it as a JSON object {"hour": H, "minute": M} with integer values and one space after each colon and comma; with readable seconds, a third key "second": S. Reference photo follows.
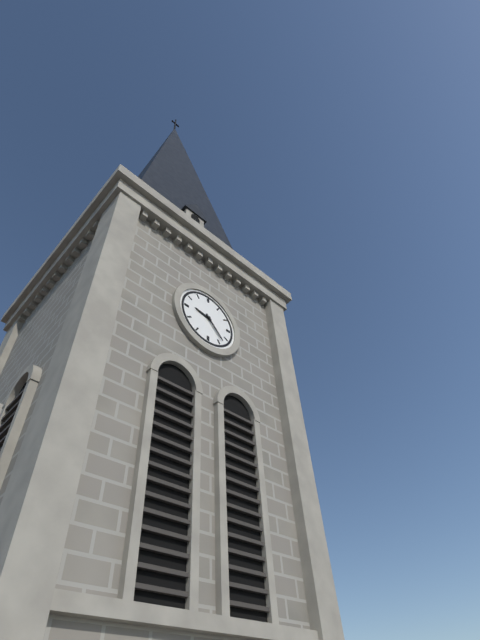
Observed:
{"hour": 9, "minute": 23}
